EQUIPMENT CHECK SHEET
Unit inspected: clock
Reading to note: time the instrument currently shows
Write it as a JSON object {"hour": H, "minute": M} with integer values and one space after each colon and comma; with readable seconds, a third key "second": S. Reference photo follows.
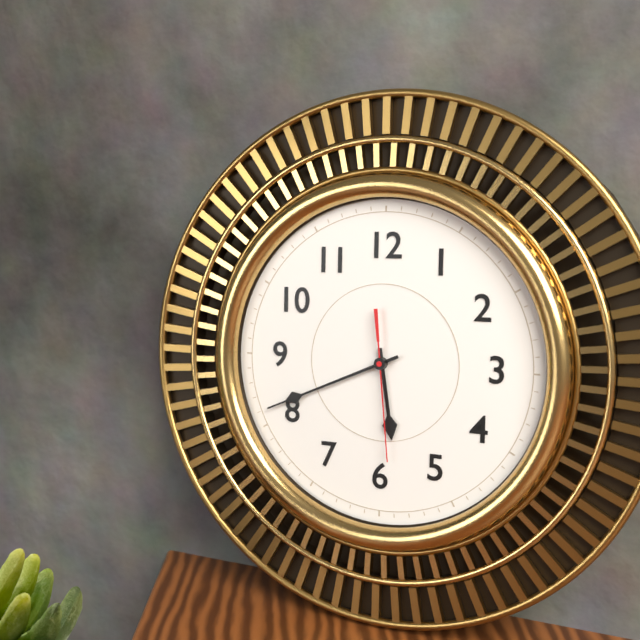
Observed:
{"hour": 5, "minute": 41, "second": 29}
